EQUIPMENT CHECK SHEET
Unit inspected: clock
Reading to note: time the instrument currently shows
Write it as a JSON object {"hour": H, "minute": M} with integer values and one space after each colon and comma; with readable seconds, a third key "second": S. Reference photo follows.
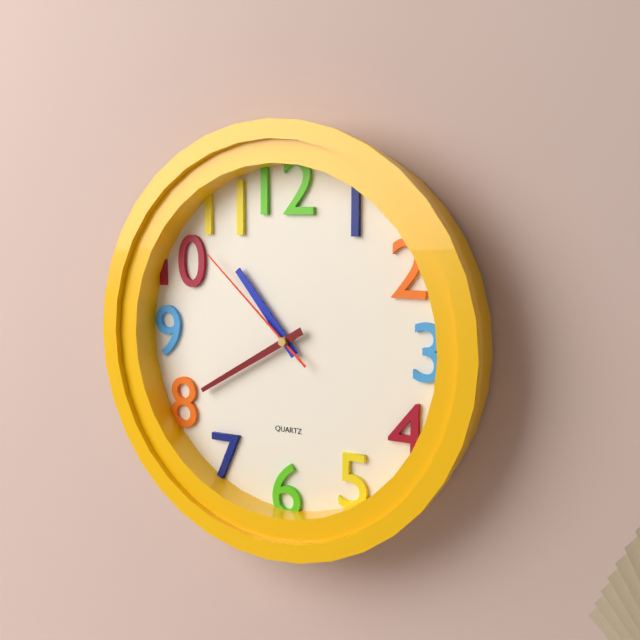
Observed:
{"hour": 10, "minute": 40, "second": 52}
